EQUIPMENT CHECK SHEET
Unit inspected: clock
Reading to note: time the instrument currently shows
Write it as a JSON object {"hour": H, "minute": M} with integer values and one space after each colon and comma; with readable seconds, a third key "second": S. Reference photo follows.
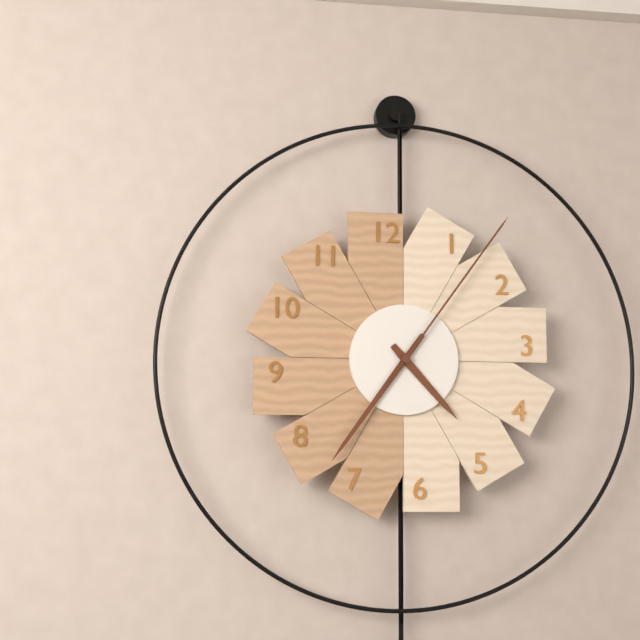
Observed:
{"hour": 4, "minute": 36, "second": 6}
